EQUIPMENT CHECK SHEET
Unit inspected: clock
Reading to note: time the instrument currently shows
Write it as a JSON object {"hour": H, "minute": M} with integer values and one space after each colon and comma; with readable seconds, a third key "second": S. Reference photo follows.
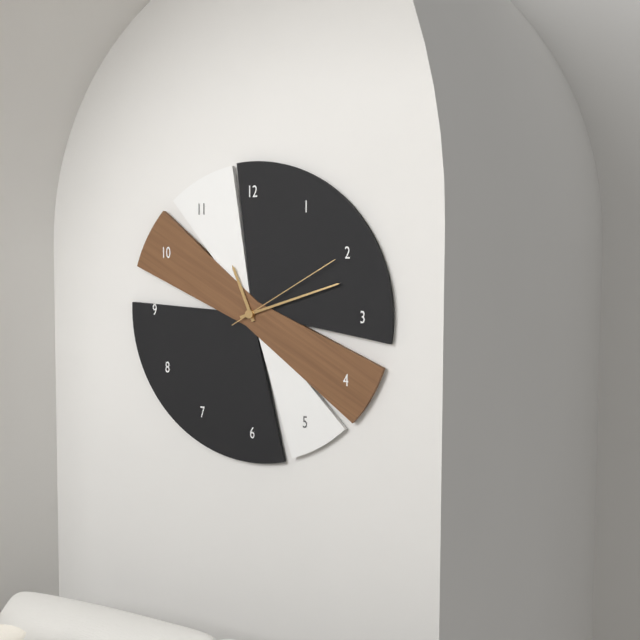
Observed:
{"hour": 11, "minute": 12, "second": 10}
